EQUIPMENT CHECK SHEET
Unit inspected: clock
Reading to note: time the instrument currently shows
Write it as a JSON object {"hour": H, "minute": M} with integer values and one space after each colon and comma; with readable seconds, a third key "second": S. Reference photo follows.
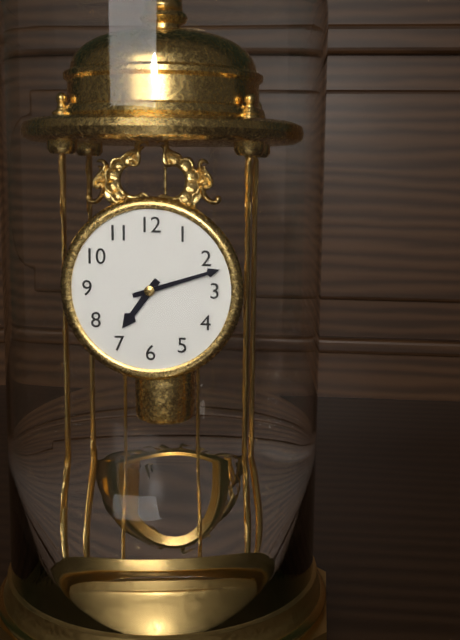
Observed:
{"hour": 7, "minute": 12}
